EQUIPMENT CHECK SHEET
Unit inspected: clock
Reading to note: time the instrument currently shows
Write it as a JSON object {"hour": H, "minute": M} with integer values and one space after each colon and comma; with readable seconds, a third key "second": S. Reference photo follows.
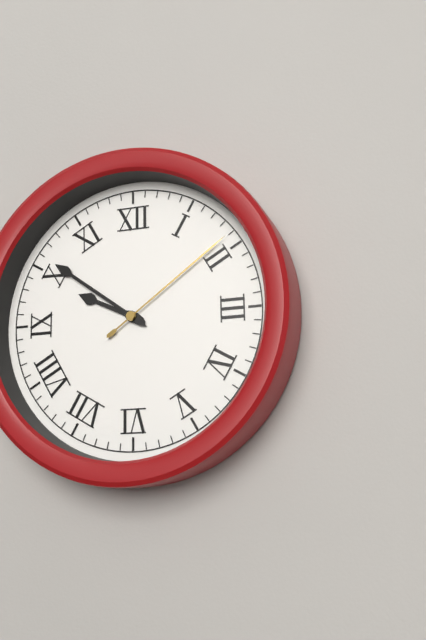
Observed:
{"hour": 9, "minute": 51, "second": 9}
